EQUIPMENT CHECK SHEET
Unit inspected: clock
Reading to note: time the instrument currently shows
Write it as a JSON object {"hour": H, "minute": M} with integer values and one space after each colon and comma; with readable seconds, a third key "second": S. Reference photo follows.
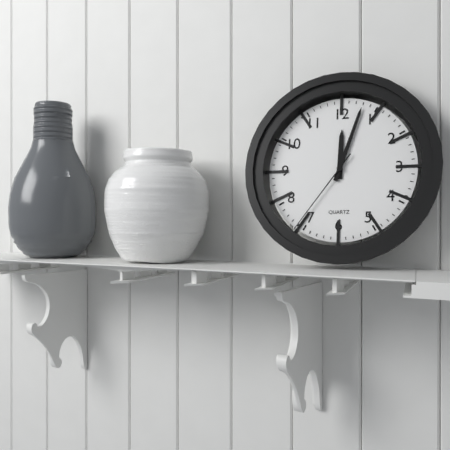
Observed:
{"hour": 12, "minute": 3, "second": 36}
